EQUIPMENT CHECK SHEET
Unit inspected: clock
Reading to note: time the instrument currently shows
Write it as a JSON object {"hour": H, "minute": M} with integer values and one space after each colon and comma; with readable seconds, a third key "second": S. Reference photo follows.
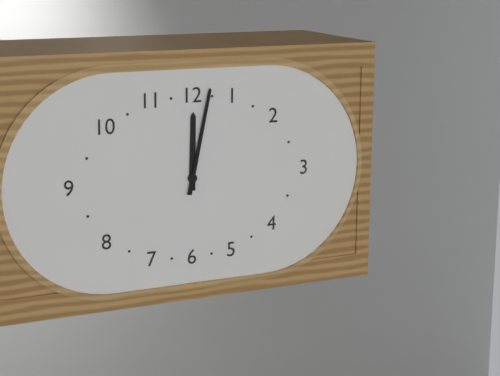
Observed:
{"hour": 12, "minute": 2}
